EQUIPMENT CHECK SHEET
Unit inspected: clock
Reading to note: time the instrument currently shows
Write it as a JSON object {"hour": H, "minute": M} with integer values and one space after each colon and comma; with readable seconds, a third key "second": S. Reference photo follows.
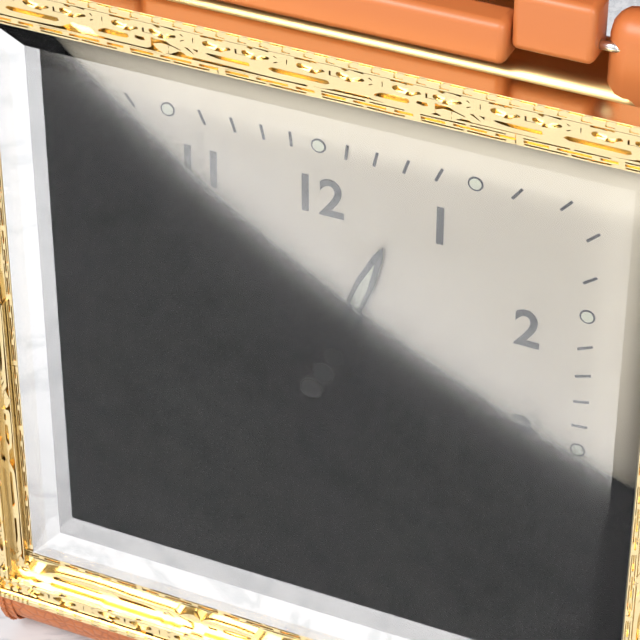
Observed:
{"hour": 12, "minute": 42}
